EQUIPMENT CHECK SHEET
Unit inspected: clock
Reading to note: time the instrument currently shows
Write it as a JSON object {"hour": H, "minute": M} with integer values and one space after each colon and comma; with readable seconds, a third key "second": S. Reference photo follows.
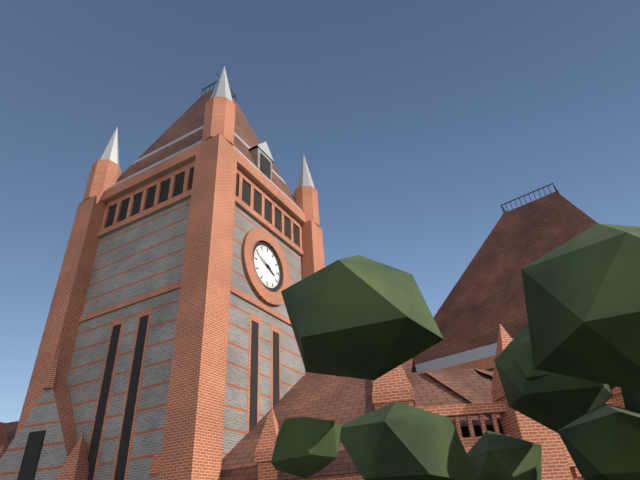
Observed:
{"hour": 3, "minute": 48}
